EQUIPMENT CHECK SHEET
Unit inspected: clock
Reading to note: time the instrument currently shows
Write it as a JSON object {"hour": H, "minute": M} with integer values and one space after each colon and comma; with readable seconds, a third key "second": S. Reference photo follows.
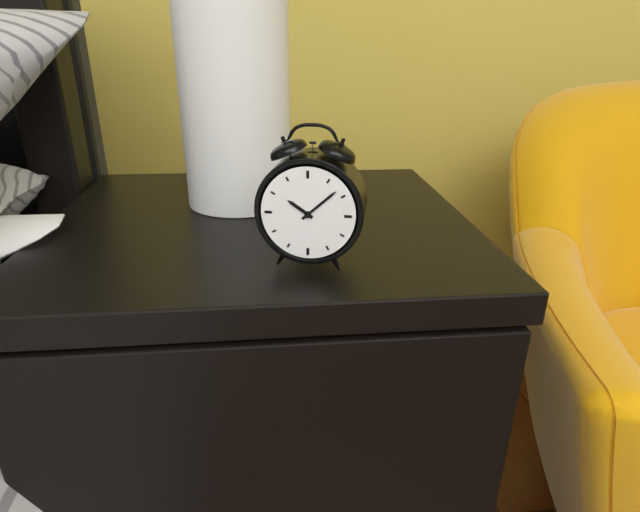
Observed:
{"hour": 10, "minute": 8}
